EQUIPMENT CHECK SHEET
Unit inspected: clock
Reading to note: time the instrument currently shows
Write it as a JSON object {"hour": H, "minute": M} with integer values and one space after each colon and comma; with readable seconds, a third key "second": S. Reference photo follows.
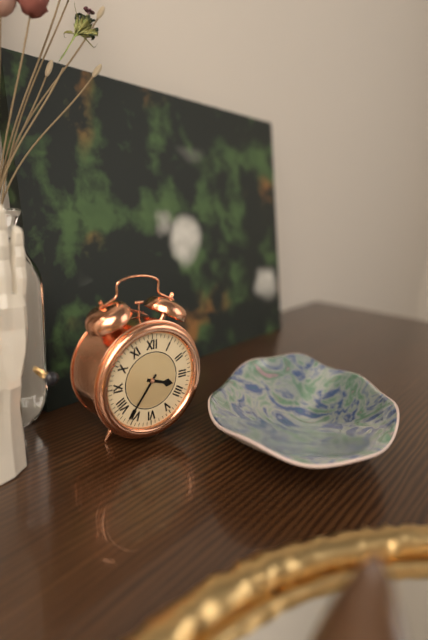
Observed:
{"hour": 3, "minute": 36}
